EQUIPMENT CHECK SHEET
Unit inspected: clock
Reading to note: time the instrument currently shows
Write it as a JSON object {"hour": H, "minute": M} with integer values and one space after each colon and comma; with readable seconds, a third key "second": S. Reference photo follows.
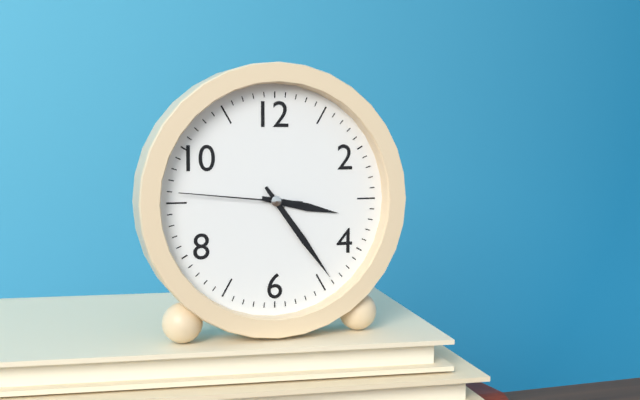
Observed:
{"hour": 3, "minute": 24, "second": 46}
